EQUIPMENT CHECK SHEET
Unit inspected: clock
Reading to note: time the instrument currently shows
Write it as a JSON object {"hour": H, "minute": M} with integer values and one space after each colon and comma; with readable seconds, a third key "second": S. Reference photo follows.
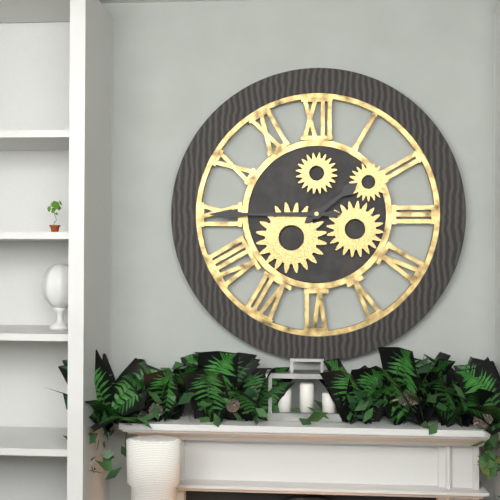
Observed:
{"hour": 1, "minute": 45}
